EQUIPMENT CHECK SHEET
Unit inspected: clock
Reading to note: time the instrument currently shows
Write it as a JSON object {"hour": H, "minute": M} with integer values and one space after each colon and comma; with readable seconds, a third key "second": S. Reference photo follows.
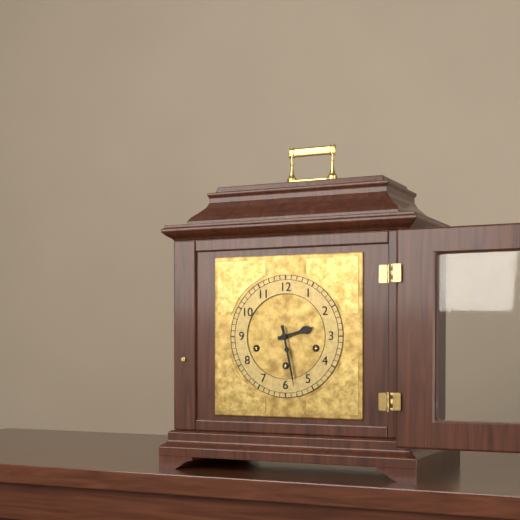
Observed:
{"hour": 2, "minute": 28}
